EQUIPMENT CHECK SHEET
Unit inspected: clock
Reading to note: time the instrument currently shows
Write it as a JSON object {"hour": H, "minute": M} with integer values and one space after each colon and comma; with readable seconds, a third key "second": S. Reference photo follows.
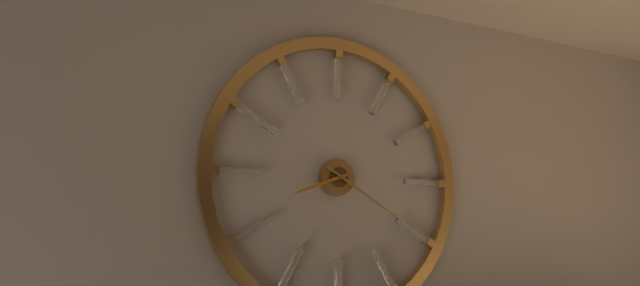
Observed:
{"hour": 8, "minute": 20}
